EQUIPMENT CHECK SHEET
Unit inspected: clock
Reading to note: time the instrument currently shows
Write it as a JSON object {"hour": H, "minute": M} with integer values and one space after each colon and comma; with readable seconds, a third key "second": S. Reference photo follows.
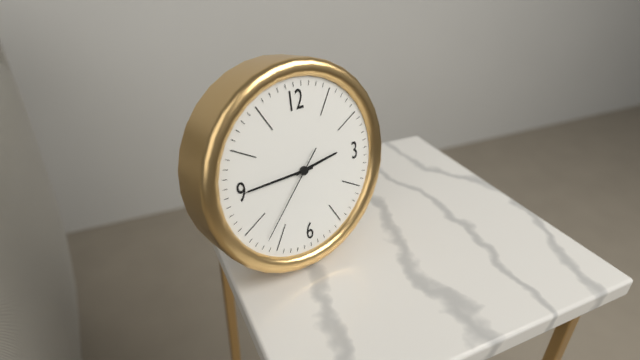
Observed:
{"hour": 2, "minute": 45, "second": 37}
